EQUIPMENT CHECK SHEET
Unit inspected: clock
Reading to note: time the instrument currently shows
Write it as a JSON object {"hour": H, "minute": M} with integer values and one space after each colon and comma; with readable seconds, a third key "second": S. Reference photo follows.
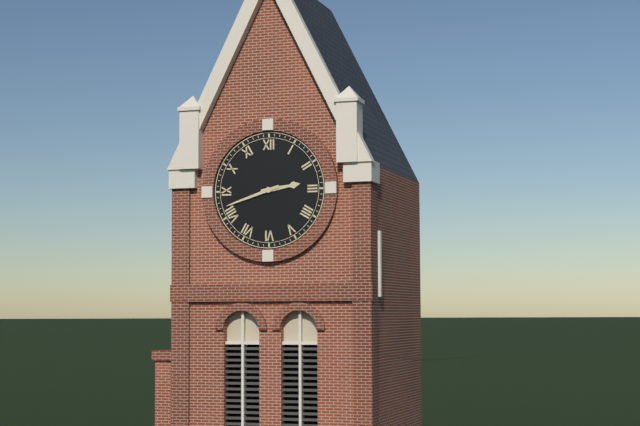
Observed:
{"hour": 2, "minute": 42}
